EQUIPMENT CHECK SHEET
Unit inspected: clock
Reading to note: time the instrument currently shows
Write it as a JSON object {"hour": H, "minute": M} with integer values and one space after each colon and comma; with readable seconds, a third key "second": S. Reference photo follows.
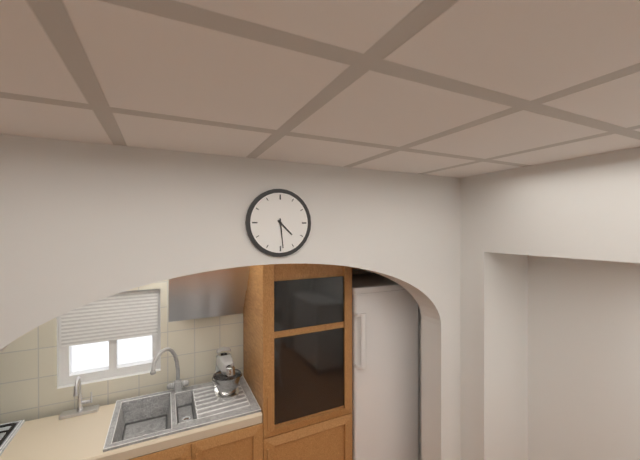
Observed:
{"hour": 4, "minute": 29}
